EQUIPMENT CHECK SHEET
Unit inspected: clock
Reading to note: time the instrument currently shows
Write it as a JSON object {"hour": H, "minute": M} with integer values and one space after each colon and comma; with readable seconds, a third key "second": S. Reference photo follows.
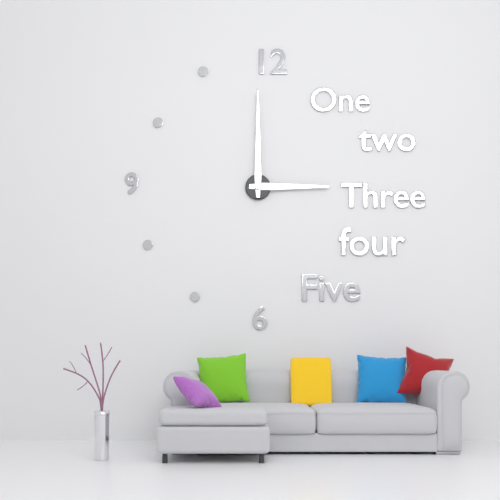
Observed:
{"hour": 3, "minute": 0}
